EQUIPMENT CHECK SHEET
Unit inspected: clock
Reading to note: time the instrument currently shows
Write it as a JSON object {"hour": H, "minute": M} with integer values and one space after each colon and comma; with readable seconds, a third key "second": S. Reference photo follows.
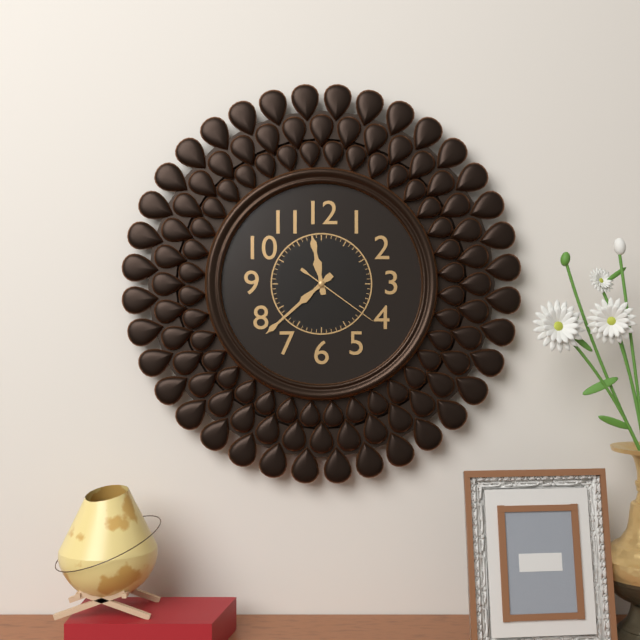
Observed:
{"hour": 11, "minute": 38, "second": 21}
